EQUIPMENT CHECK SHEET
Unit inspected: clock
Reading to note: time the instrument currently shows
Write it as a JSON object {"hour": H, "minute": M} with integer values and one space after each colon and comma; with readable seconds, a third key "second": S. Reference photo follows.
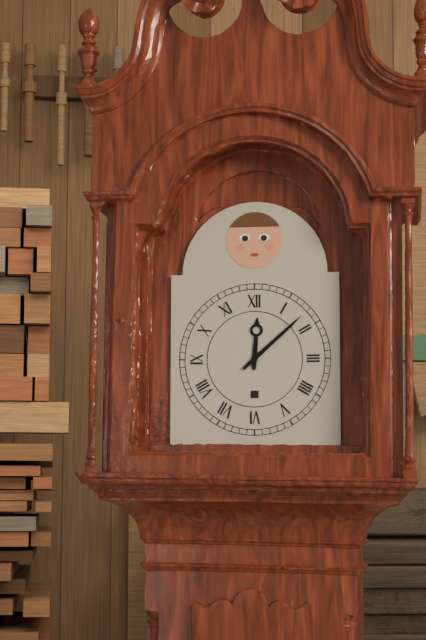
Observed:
{"hour": 12, "minute": 8}
